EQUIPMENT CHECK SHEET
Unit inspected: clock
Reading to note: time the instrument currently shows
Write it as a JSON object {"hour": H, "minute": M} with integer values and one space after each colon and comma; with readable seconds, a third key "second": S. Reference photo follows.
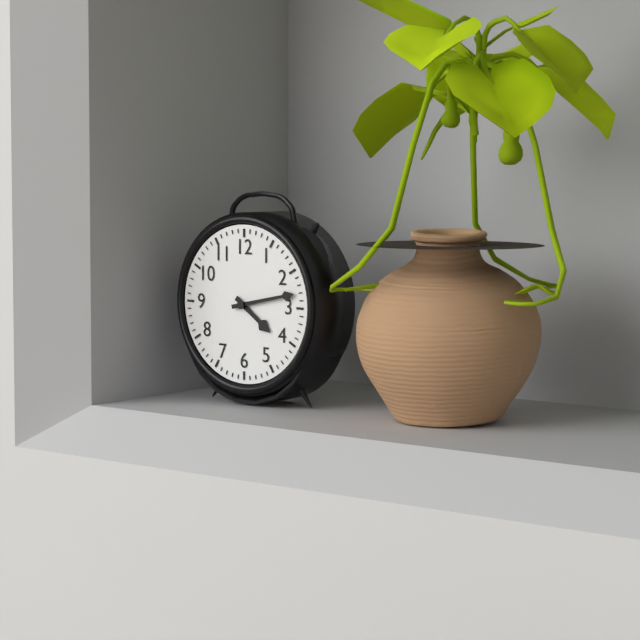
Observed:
{"hour": 4, "minute": 13}
